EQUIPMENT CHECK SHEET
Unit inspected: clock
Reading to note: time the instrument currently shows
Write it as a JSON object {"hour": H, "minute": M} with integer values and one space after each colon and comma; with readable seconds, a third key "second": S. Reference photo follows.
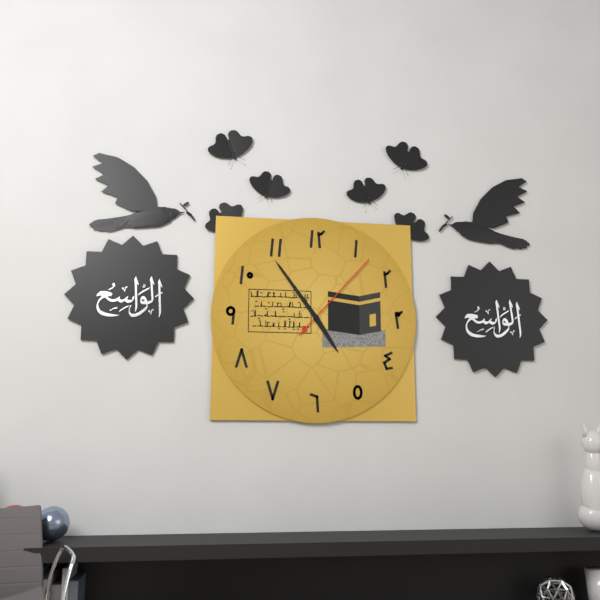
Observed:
{"hour": 4, "minute": 54, "second": 7}
